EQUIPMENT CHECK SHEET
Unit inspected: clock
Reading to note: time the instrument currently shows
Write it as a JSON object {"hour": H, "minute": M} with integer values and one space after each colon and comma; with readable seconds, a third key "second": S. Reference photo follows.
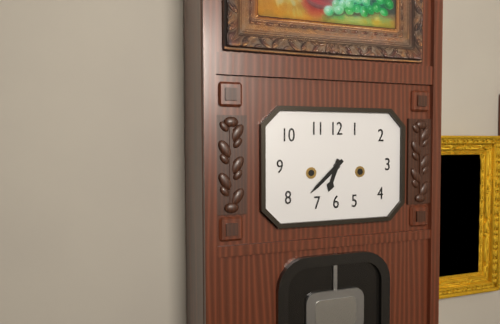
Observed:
{"hour": 6, "minute": 38}
